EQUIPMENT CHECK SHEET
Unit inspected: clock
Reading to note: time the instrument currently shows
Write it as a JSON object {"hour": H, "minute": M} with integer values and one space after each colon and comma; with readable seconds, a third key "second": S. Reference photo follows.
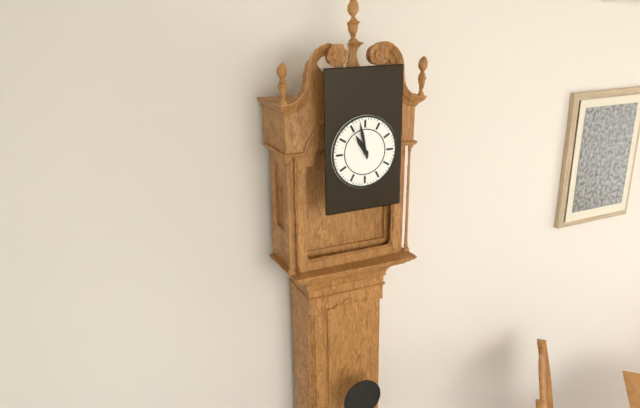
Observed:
{"hour": 10, "minute": 58}
